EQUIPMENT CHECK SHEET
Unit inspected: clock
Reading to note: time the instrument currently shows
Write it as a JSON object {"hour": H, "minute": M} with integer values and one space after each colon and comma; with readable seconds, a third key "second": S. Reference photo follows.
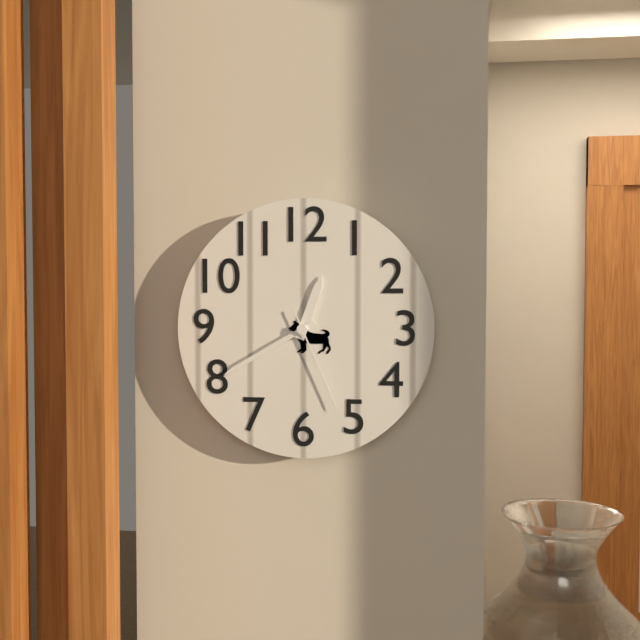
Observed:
{"hour": 12, "minute": 40, "second": 26}
